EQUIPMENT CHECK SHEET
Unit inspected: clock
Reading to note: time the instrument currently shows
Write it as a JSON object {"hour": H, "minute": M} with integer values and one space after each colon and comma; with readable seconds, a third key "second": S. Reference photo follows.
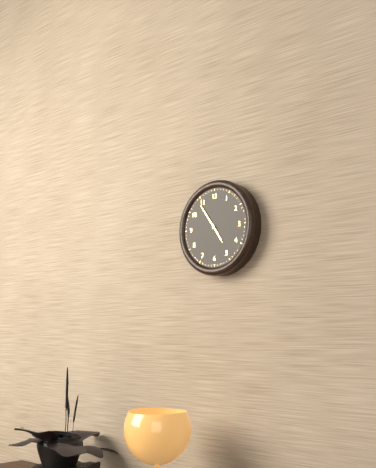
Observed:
{"hour": 4, "minute": 54}
